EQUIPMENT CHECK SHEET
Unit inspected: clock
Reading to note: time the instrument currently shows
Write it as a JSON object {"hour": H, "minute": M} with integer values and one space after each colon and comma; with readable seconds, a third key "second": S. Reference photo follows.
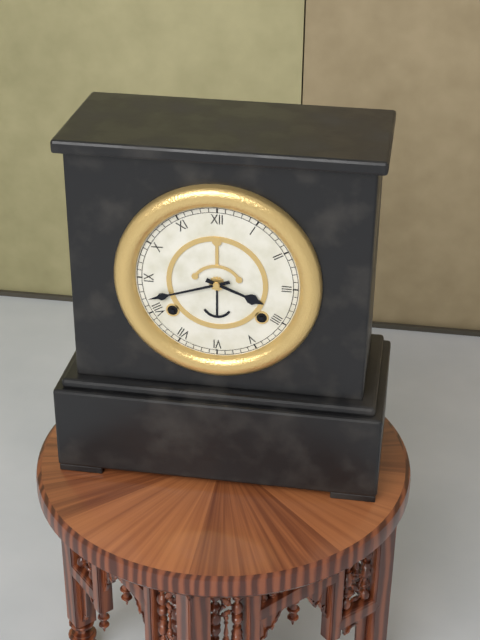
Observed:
{"hour": 3, "minute": 42}
